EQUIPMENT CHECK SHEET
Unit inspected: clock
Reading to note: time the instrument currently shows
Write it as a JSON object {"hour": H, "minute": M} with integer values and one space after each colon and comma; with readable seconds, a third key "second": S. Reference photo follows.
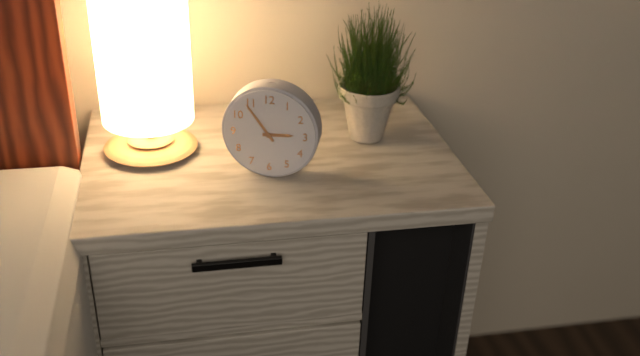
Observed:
{"hour": 2, "minute": 54}
